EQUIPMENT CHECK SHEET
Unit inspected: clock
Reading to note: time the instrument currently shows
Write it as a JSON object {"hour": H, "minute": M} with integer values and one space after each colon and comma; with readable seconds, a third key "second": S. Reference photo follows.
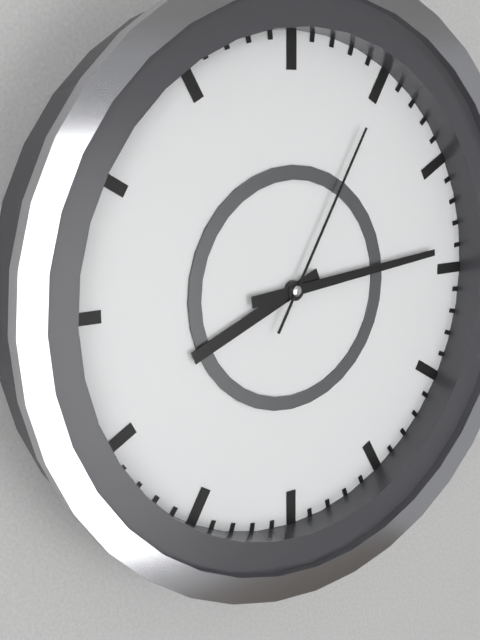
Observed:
{"hour": 8, "minute": 14, "second": 5}
